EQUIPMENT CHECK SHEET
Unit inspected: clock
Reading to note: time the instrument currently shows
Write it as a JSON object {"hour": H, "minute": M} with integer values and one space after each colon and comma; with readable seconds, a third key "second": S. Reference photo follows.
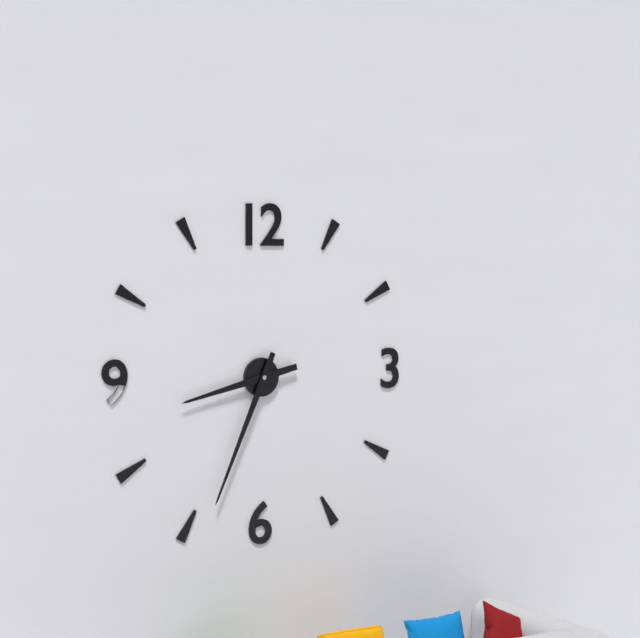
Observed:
{"hour": 8, "minute": 34}
